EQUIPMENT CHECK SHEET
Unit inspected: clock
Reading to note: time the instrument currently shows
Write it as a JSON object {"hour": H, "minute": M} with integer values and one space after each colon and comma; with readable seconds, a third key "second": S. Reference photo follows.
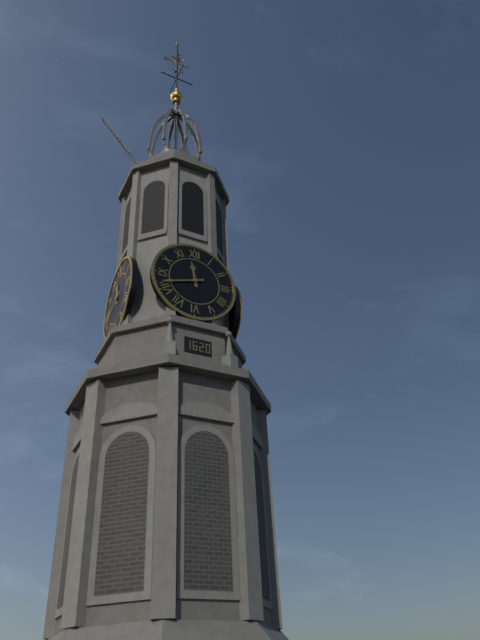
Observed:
{"hour": 11, "minute": 42}
